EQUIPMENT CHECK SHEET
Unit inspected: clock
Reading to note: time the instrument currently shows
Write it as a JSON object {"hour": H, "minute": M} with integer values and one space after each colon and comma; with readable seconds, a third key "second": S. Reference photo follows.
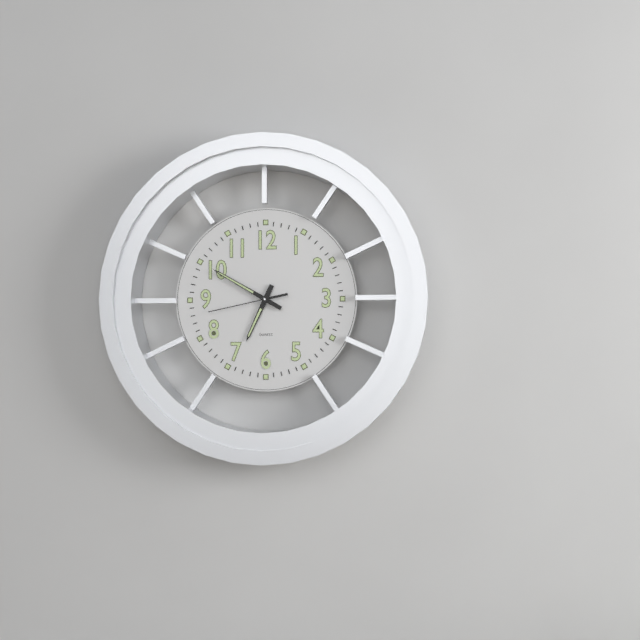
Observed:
{"hour": 6, "minute": 50, "second": 43}
